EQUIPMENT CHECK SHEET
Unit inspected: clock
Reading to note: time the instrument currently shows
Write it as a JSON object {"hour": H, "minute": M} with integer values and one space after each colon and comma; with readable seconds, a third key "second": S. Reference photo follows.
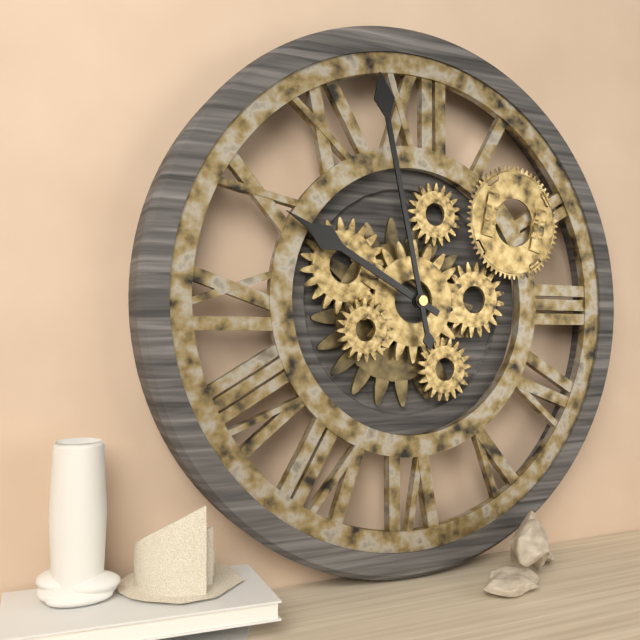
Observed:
{"hour": 9, "minute": 58}
